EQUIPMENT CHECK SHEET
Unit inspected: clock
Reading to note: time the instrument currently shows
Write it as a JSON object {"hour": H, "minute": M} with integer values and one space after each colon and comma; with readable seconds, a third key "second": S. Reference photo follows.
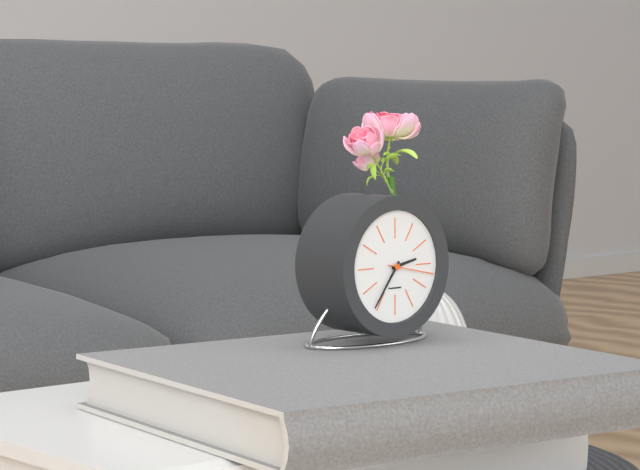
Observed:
{"hour": 2, "minute": 36}
